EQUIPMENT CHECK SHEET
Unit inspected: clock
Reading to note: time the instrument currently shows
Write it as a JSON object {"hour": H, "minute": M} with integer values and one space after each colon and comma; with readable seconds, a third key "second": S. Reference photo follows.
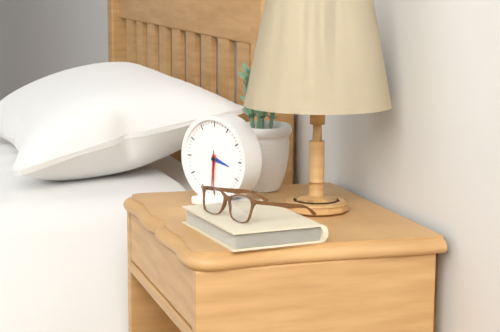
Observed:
{"hour": 3, "minute": 31}
